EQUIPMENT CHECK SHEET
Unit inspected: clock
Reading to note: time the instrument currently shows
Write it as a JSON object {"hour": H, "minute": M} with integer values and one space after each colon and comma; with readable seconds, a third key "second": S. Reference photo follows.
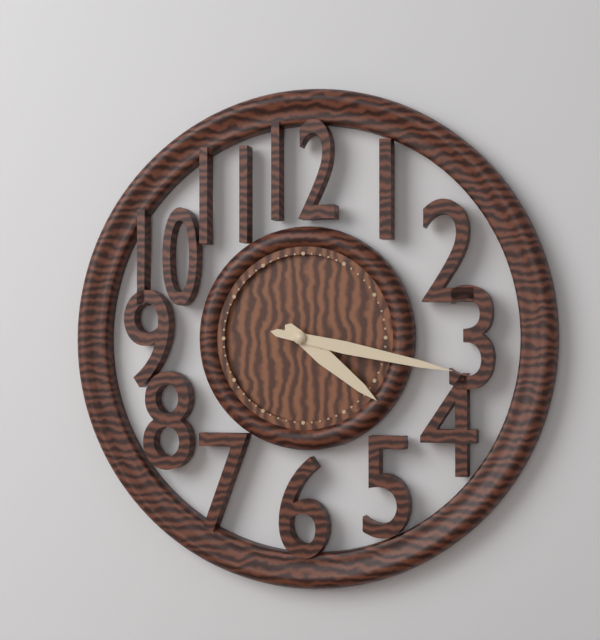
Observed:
{"hour": 4, "minute": 17}
